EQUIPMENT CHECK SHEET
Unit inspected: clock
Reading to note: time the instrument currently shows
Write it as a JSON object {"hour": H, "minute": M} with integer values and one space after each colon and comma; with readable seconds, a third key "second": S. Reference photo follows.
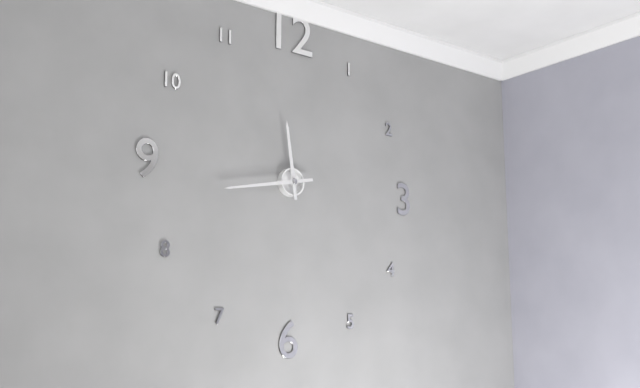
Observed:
{"hour": 11, "minute": 43}
